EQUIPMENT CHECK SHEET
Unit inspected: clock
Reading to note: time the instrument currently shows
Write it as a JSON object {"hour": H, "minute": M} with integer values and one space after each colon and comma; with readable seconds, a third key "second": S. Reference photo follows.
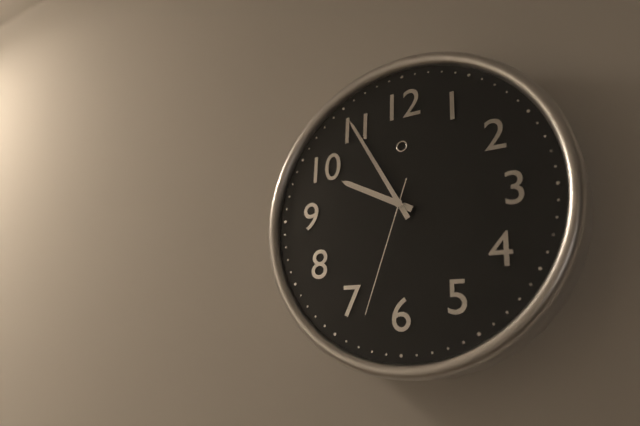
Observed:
{"hour": 9, "minute": 55, "second": 33}
